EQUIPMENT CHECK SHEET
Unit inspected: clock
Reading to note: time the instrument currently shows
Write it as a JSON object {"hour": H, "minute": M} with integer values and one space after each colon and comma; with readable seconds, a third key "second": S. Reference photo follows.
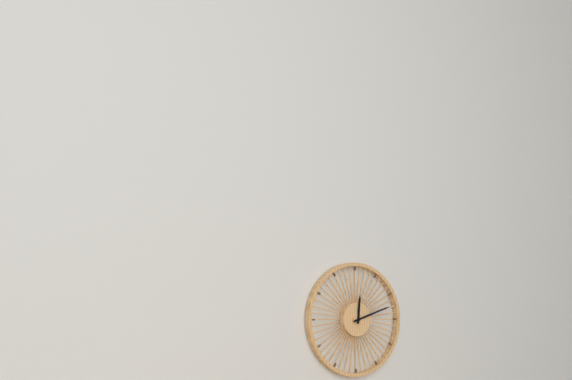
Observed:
{"hour": 12, "minute": 12}
